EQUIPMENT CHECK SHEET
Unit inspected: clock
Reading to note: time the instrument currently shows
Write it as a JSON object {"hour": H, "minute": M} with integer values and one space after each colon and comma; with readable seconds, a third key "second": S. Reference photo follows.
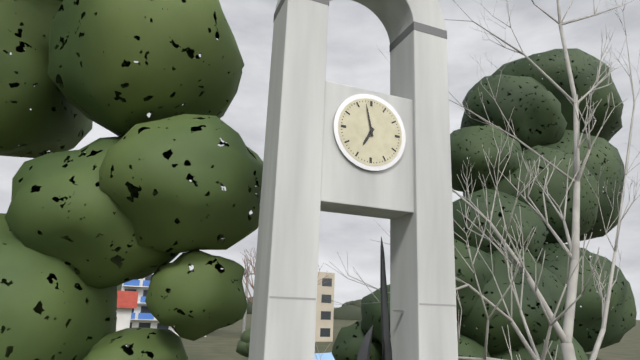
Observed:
{"hour": 6, "minute": 58}
